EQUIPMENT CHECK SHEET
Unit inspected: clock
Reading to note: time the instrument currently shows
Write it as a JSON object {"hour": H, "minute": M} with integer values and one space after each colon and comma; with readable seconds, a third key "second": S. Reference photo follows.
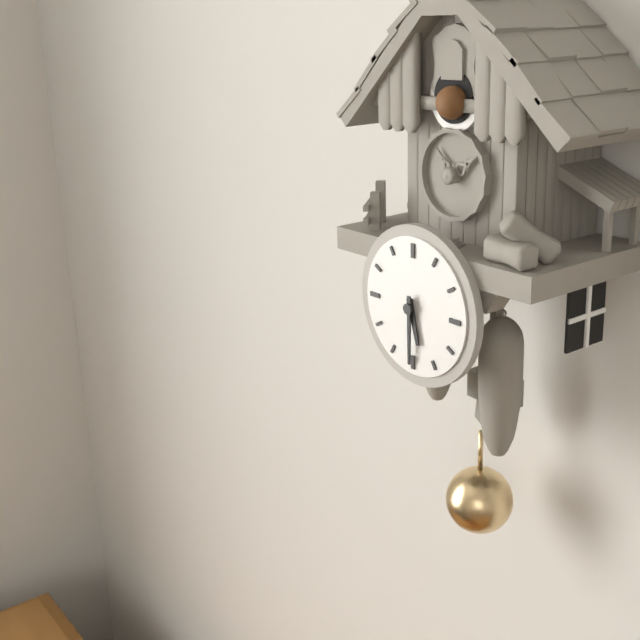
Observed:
{"hour": 5, "minute": 30}
